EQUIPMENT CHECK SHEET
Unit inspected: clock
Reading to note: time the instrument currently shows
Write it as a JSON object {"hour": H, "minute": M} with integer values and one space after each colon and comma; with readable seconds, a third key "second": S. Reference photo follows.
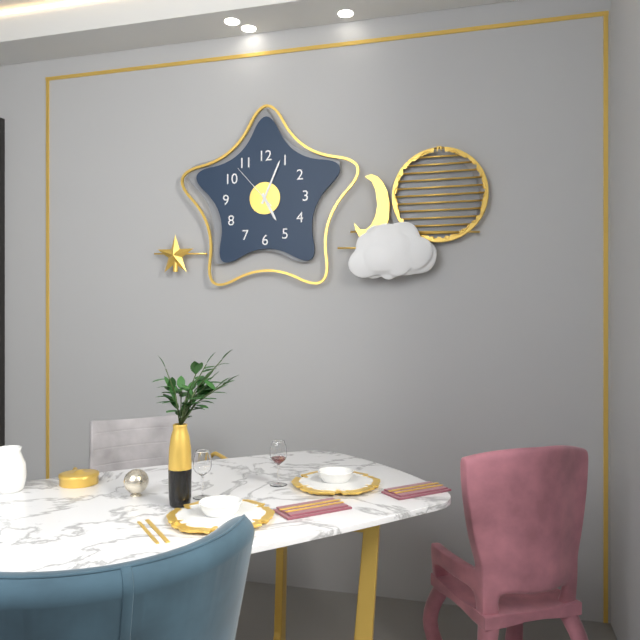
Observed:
{"hour": 5, "minute": 4, "second": 53}
